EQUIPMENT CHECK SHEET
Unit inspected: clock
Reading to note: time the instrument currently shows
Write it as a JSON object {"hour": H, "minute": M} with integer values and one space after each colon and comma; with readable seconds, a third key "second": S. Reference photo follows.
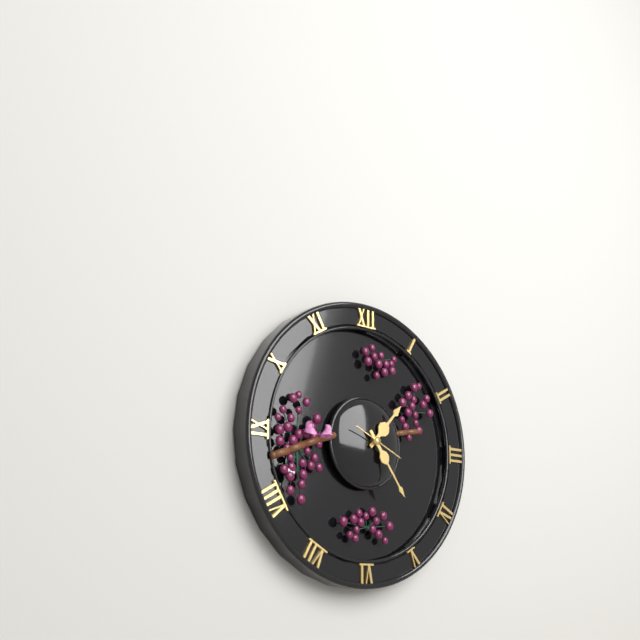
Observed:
{"hour": 1, "minute": 24}
